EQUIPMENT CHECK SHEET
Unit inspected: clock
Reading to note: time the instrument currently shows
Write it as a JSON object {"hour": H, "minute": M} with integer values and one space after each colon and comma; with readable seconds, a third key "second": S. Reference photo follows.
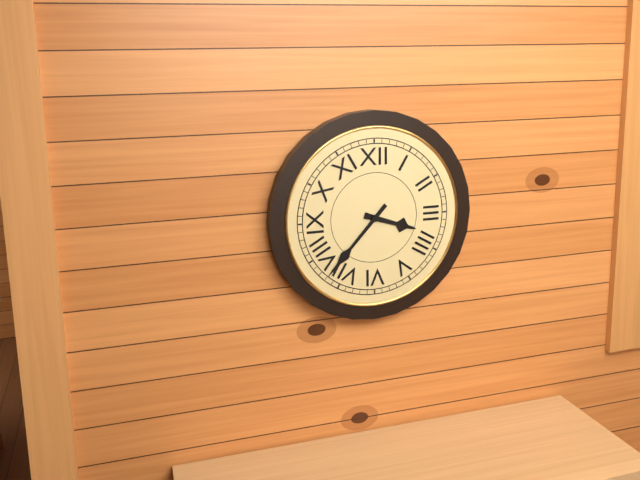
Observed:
{"hour": 3, "minute": 37}
